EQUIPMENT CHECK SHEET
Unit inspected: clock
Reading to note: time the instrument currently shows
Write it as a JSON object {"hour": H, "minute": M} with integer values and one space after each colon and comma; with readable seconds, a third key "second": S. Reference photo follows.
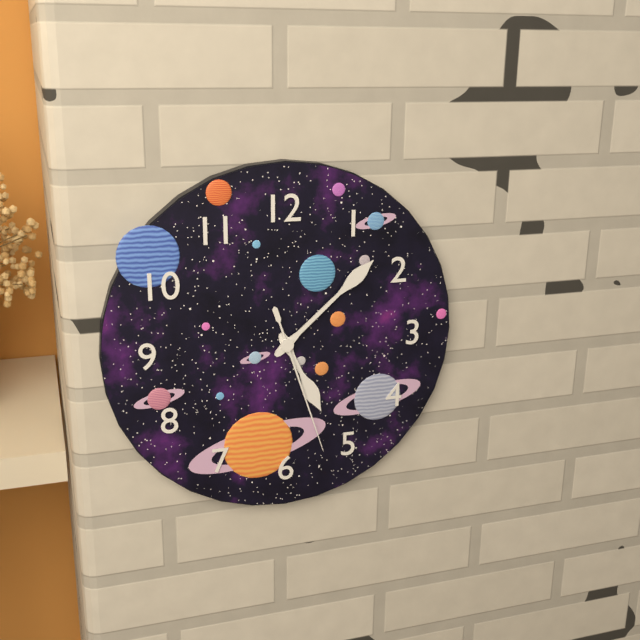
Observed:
{"hour": 5, "minute": 8, "second": 27}
